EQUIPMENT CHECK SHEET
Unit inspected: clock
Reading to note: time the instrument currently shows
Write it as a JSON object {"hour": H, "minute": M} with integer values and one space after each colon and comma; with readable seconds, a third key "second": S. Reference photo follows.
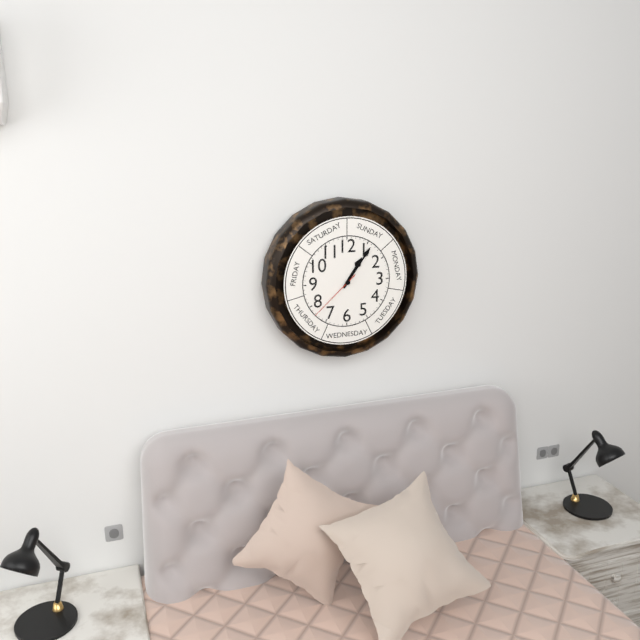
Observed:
{"hour": 1, "minute": 6, "second": 38}
